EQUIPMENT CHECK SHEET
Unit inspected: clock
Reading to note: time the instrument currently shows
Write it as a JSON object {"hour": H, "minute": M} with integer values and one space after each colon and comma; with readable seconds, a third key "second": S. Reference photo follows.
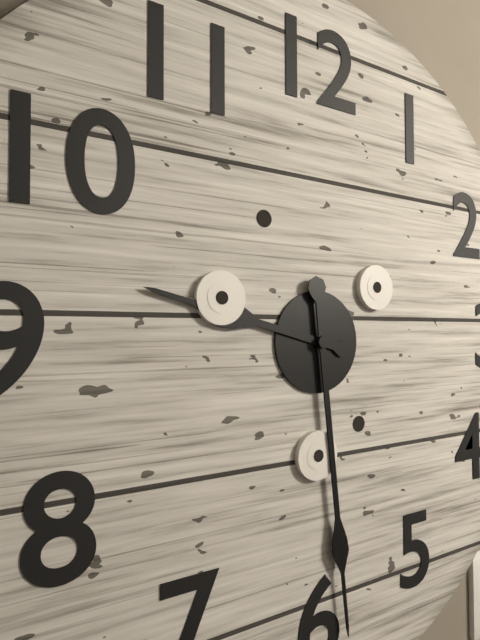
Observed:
{"hour": 9, "minute": 29}
